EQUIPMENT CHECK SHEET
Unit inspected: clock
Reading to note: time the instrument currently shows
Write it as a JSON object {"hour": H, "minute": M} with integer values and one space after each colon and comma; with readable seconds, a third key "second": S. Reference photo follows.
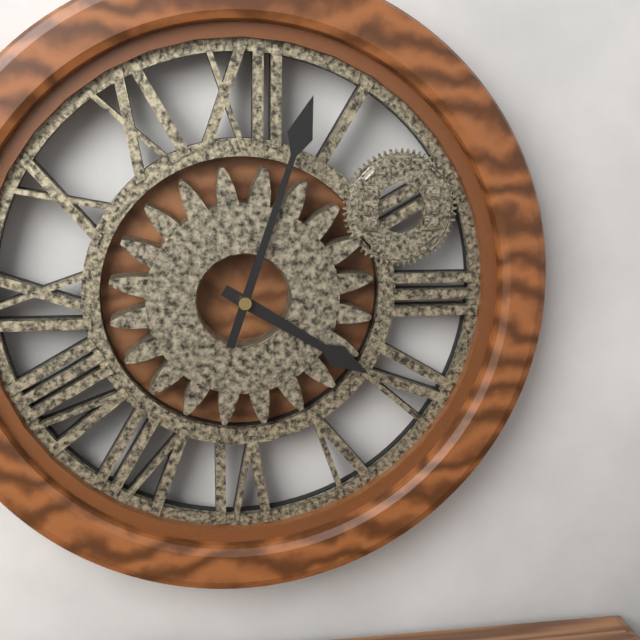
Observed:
{"hour": 4, "minute": 3}
